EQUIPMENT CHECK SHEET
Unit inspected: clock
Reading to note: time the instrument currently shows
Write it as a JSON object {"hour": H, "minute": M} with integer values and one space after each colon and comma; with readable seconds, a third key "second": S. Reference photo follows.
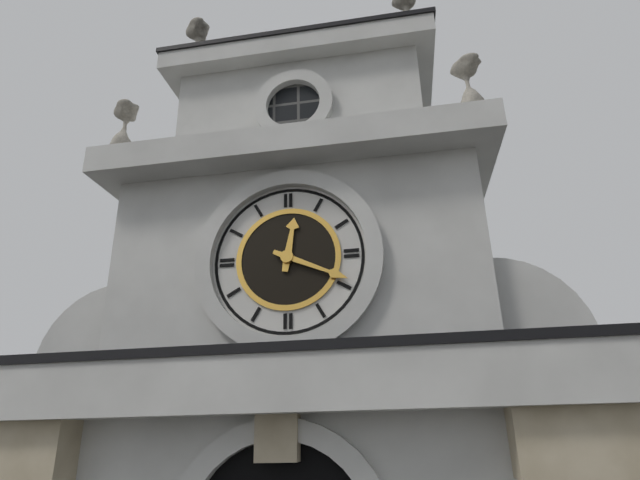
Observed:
{"hour": 12, "minute": 19}
